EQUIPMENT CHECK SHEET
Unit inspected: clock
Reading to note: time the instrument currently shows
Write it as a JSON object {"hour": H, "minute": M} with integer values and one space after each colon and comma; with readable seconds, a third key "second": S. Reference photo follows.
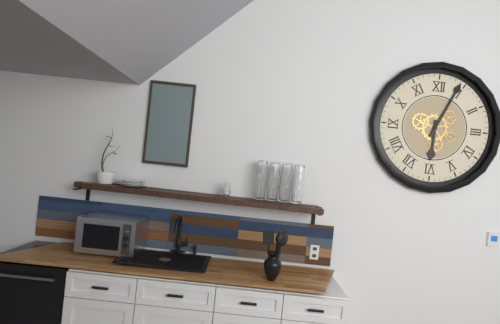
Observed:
{"hour": 6, "minute": 4}
